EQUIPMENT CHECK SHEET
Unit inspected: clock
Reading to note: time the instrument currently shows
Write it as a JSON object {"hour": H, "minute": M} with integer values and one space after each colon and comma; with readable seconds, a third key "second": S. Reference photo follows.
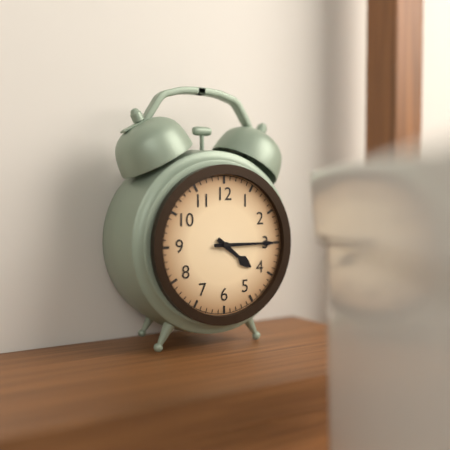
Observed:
{"hour": 4, "minute": 15}
